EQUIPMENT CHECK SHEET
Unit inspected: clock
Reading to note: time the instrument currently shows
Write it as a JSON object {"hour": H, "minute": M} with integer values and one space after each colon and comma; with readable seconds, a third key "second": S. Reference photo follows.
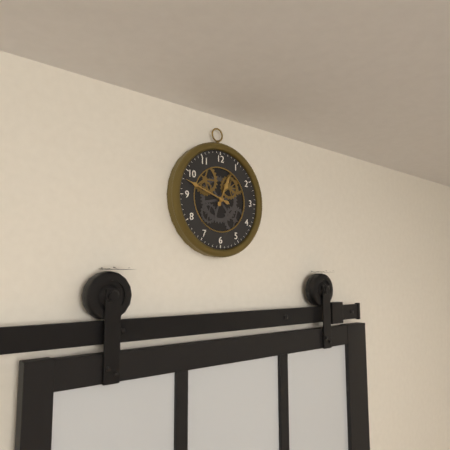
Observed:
{"hour": 12, "minute": 48}
